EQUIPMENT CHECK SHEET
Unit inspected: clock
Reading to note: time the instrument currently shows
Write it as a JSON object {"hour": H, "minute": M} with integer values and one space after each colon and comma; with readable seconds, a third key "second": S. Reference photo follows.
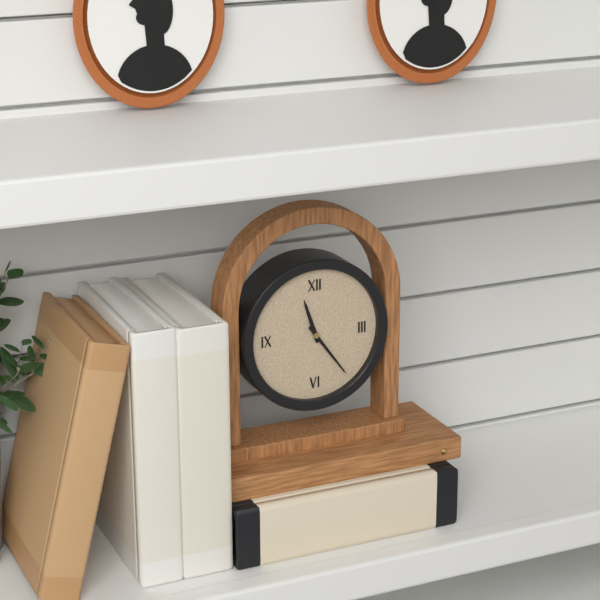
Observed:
{"hour": 11, "minute": 24}
